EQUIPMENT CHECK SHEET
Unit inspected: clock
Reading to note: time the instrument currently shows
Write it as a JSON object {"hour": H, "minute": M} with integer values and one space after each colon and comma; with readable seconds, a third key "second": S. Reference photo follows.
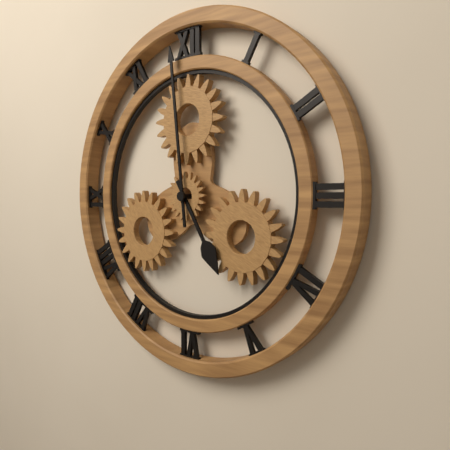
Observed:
{"hour": 4, "minute": 59}
